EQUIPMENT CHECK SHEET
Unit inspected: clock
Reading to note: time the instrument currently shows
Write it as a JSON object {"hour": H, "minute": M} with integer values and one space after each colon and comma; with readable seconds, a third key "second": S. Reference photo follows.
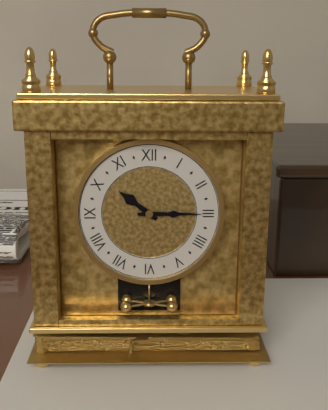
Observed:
{"hour": 10, "minute": 15}
